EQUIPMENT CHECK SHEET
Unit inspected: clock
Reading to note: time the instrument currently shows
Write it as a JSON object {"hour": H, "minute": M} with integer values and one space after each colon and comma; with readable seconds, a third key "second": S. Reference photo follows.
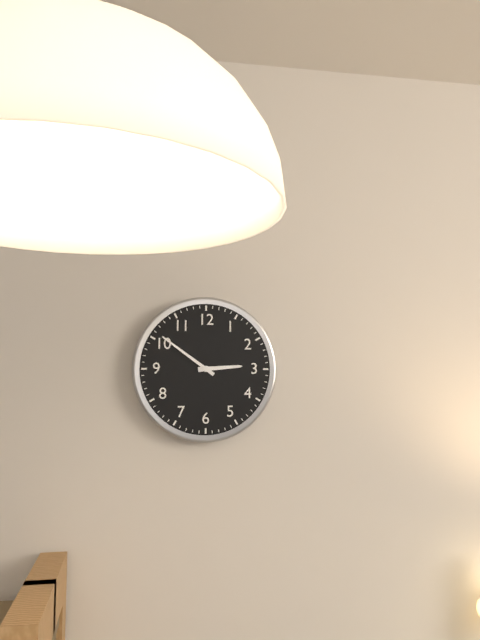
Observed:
{"hour": 2, "minute": 51}
